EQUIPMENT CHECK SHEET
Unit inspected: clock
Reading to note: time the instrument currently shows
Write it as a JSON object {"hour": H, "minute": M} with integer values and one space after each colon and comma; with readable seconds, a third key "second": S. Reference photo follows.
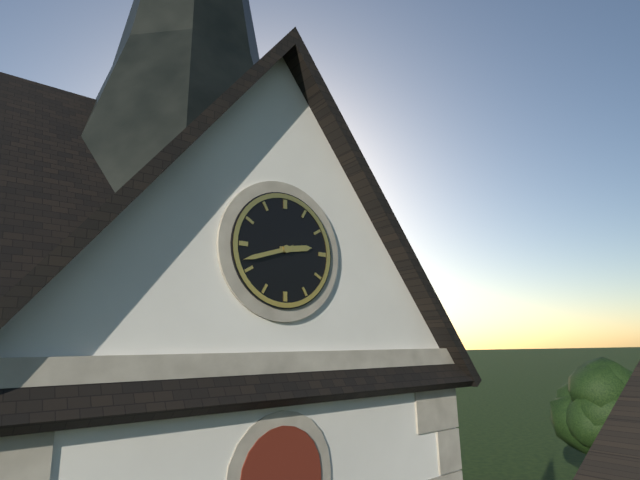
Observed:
{"hour": 2, "minute": 42}
